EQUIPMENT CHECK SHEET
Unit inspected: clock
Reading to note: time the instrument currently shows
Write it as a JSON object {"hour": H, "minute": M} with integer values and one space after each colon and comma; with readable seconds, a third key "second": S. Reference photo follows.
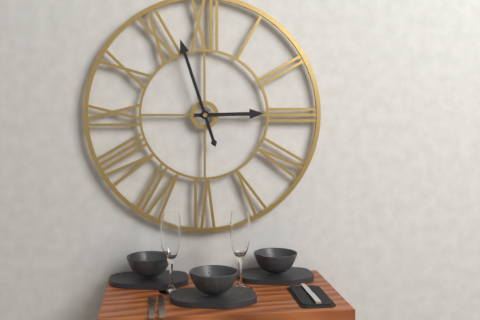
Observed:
{"hour": 2, "minute": 57}
